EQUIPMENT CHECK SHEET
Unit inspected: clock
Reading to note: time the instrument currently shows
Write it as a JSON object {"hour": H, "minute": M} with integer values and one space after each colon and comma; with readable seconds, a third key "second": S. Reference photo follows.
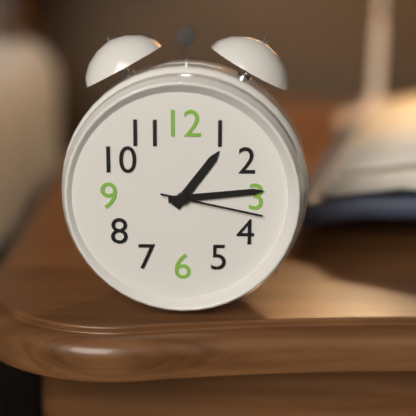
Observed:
{"hour": 1, "minute": 14, "second": 17}
